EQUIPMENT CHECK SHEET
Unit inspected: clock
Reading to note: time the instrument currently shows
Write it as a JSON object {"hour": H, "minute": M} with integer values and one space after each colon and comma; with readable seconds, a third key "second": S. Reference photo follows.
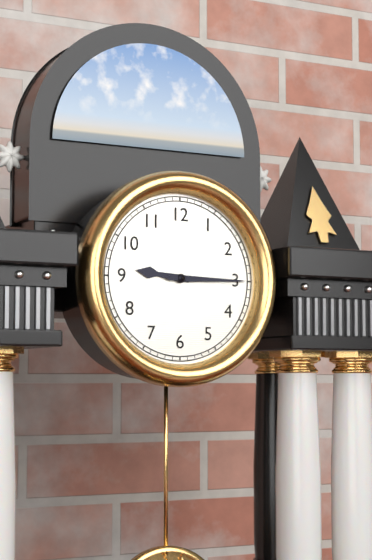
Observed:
{"hour": 9, "minute": 15}
